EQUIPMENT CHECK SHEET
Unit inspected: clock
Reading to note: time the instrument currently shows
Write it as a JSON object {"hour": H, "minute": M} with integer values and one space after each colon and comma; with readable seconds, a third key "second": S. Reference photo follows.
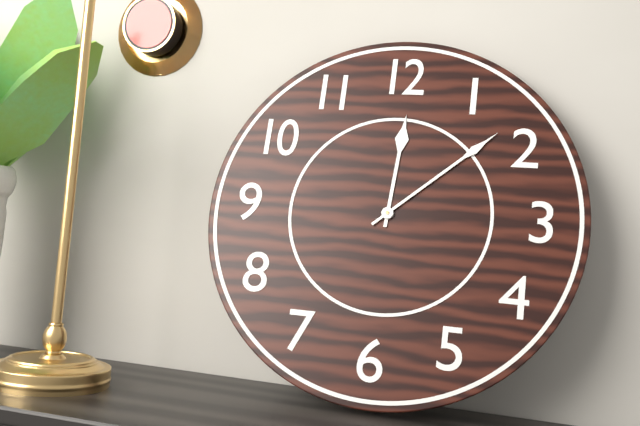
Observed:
{"hour": 12, "minute": 8}
